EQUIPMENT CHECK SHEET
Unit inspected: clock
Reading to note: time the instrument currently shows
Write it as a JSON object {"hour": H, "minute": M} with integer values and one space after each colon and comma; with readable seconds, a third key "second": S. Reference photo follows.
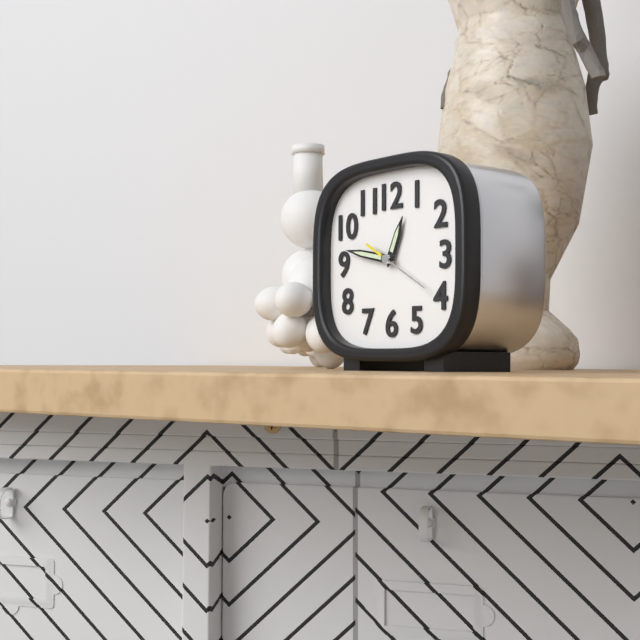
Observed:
{"hour": 12, "minute": 47, "second": 20}
